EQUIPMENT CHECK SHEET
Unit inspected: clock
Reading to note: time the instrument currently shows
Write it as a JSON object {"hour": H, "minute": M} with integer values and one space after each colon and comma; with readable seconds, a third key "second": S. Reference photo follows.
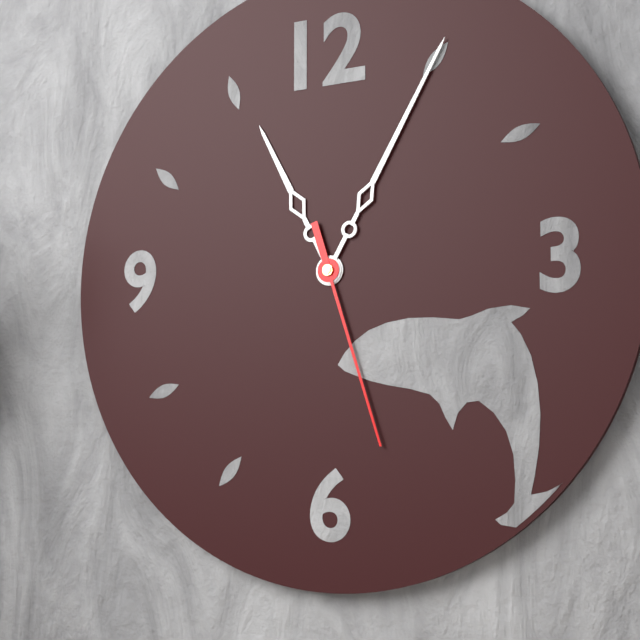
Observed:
{"hour": 11, "minute": 5, "second": 27}
